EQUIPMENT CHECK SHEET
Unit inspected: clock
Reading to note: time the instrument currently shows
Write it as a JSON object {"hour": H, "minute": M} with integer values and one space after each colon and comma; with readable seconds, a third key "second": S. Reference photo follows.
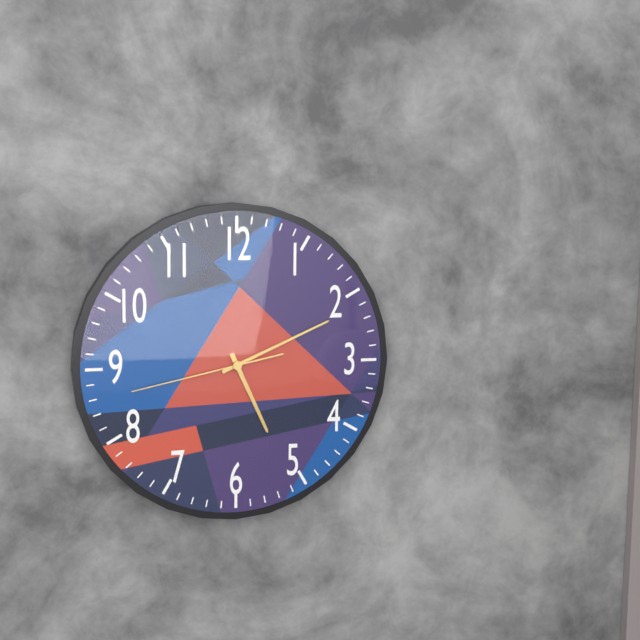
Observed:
{"hour": 5, "minute": 11, "second": 43}
